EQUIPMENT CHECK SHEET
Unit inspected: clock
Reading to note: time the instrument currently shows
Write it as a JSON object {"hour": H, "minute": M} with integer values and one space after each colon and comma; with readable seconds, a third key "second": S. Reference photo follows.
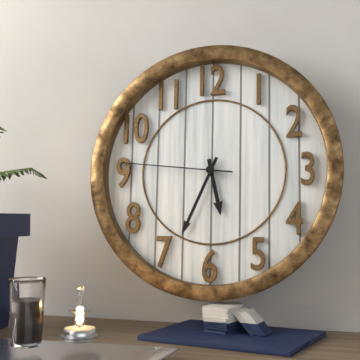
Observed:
{"hour": 5, "minute": 34, "second": 46}
